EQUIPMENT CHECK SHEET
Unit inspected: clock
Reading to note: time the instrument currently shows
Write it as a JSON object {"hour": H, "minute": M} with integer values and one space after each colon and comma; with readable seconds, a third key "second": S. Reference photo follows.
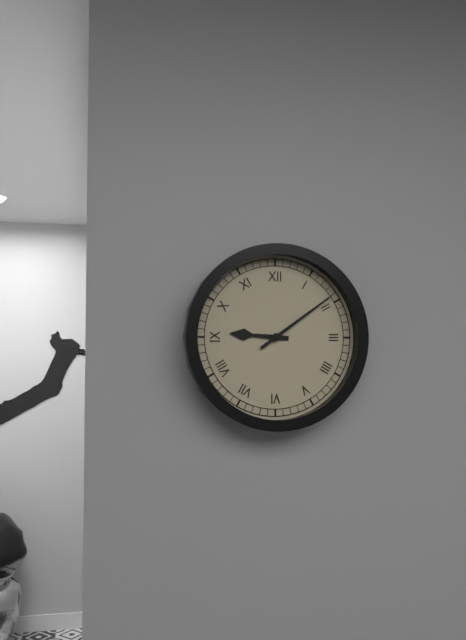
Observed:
{"hour": 9, "minute": 9}
